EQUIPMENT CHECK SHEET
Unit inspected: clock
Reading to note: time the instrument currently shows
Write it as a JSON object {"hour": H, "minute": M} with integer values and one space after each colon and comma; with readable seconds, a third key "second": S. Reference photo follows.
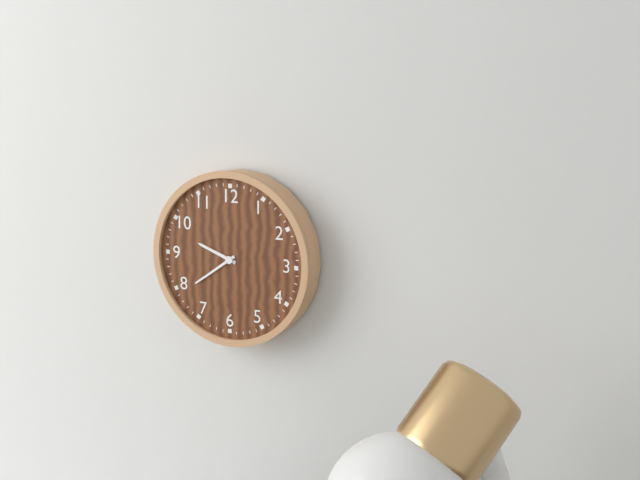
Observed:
{"hour": 9, "minute": 39}
